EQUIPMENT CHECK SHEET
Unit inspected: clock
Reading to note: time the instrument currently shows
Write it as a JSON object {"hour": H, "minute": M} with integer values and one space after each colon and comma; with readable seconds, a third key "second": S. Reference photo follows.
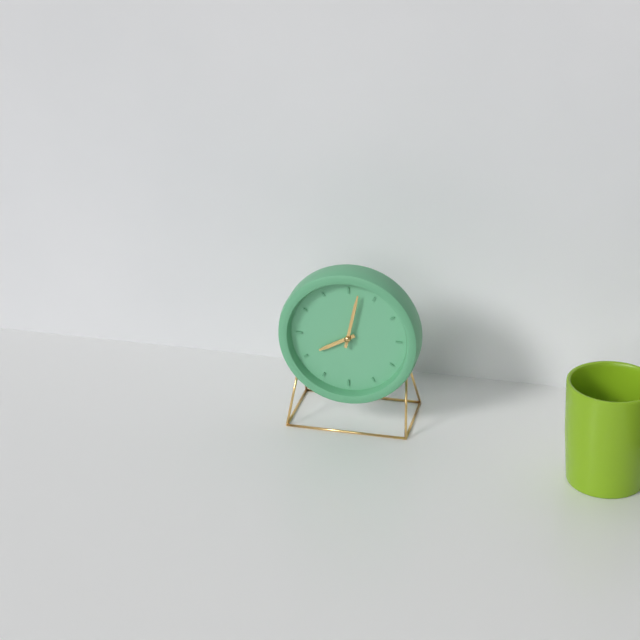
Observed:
{"hour": 8, "minute": 2}
